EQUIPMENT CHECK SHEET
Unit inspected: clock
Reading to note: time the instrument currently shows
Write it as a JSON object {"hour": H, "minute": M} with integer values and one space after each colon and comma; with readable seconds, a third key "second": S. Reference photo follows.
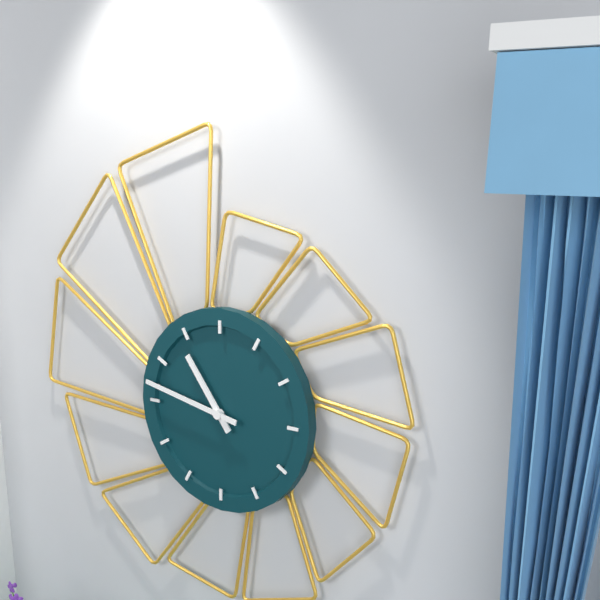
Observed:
{"hour": 10, "minute": 47}
